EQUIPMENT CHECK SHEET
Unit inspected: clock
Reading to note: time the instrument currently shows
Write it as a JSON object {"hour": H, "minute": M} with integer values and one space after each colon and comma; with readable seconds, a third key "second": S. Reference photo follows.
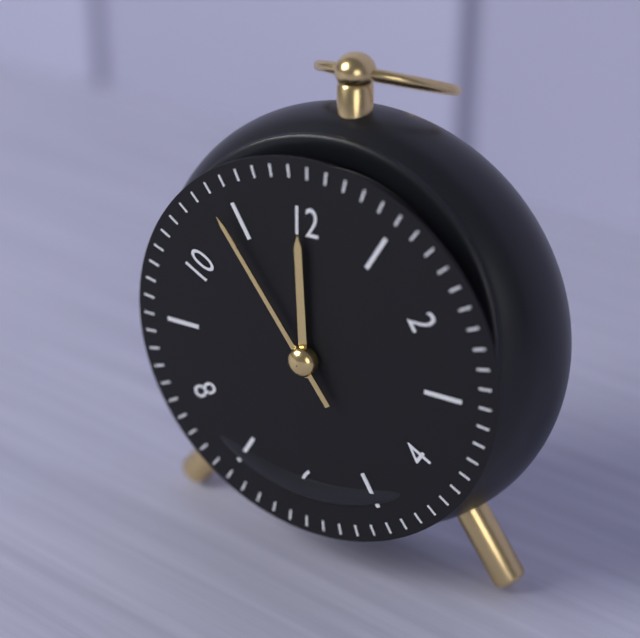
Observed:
{"hour": 11, "minute": 54}
